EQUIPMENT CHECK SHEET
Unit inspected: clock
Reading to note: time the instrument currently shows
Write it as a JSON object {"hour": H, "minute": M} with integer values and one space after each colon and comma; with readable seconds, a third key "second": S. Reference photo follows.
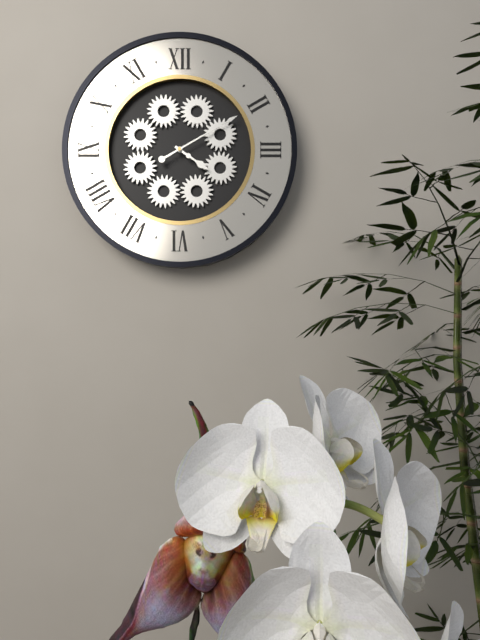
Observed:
{"hour": 4, "minute": 10}
